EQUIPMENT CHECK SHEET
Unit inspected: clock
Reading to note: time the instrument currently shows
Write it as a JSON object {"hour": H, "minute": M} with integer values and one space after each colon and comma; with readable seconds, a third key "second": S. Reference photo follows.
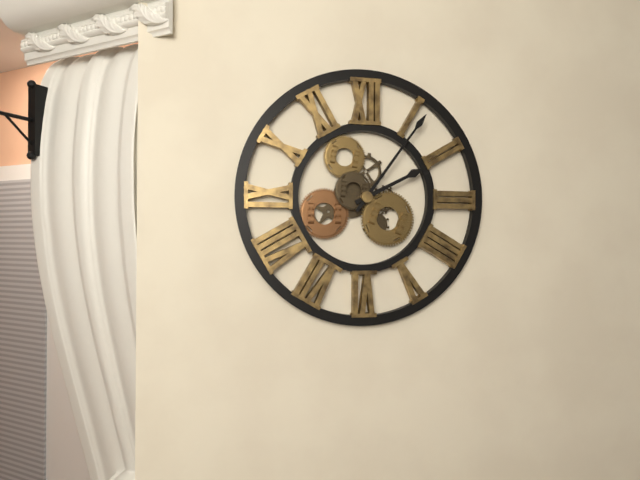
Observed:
{"hour": 2, "minute": 6}
